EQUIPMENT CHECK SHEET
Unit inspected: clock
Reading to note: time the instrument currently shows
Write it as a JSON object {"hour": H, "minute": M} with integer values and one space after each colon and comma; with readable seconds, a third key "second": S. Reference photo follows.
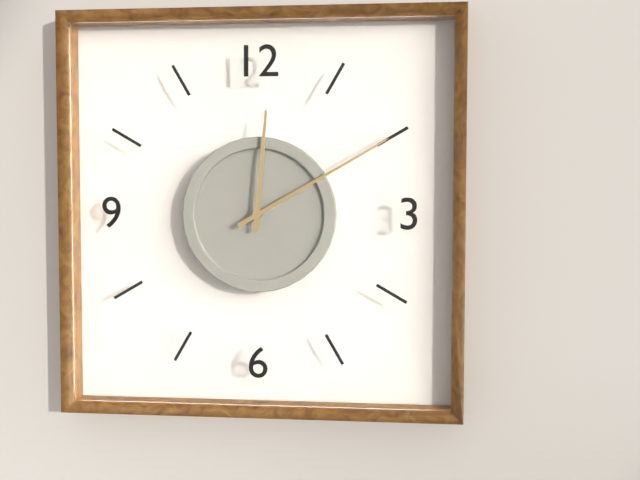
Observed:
{"hour": 12, "minute": 10}
